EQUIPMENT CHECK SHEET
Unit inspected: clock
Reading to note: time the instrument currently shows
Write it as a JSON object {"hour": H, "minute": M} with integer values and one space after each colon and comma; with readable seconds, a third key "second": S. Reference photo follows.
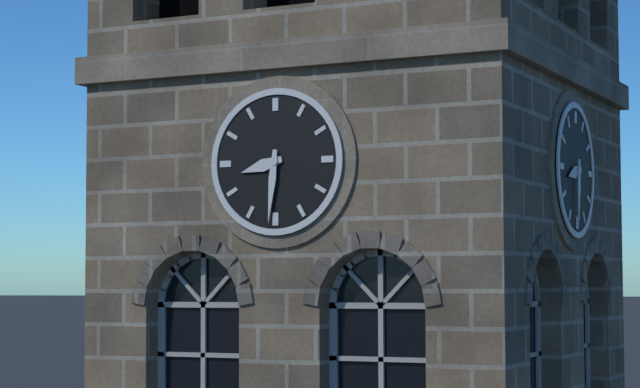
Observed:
{"hour": 8, "minute": 31}
